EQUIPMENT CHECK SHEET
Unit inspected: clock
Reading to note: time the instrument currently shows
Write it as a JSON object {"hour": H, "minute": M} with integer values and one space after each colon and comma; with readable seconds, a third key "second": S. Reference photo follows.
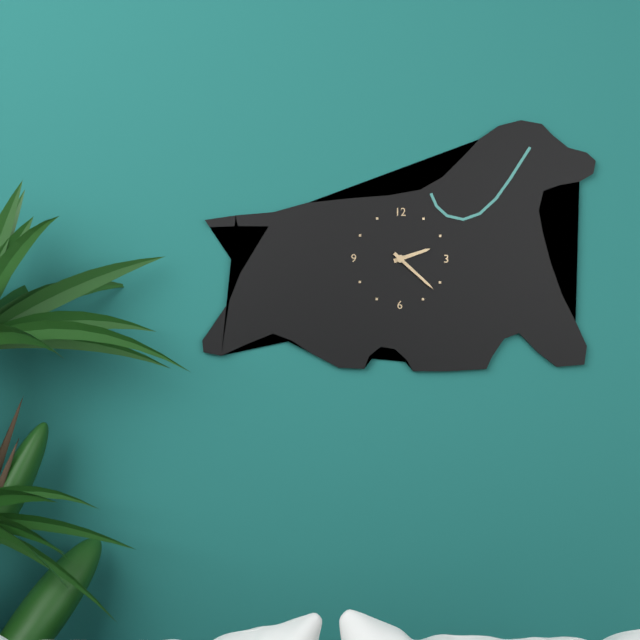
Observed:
{"hour": 2, "minute": 22}
